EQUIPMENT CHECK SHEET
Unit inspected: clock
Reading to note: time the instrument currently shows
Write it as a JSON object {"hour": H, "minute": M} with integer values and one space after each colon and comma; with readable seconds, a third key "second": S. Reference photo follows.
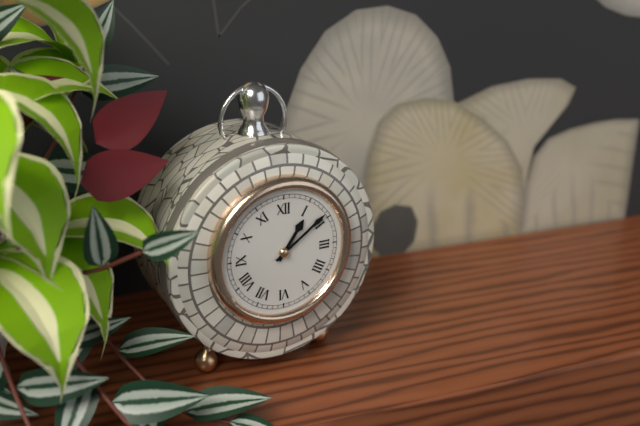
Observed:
{"hour": 1, "minute": 9}
